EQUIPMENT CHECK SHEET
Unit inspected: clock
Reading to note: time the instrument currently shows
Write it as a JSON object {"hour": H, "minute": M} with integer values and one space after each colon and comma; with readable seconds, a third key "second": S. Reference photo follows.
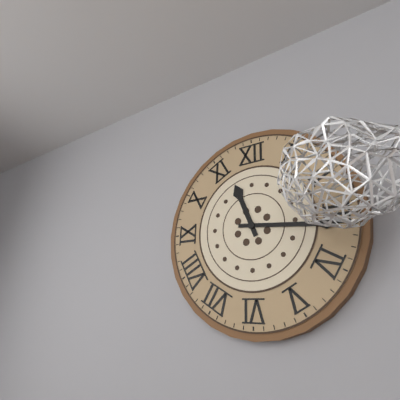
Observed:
{"hour": 11, "minute": 16}
